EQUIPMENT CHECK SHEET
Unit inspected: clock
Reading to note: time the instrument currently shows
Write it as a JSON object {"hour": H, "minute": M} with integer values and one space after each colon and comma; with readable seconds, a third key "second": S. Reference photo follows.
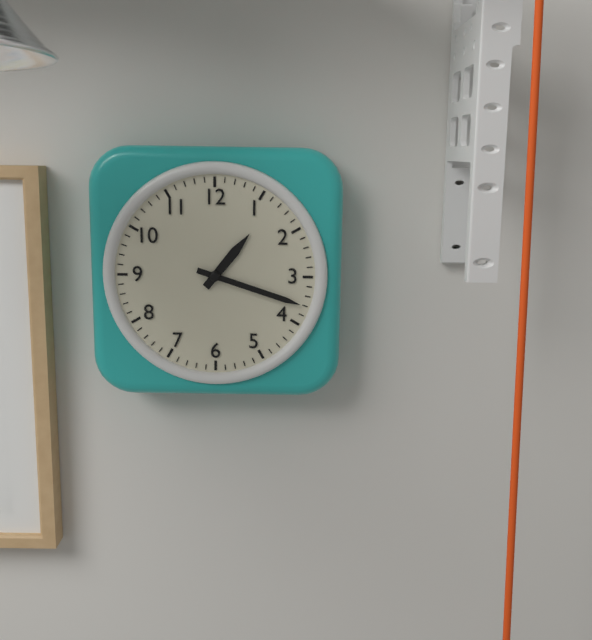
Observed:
{"hour": 1, "minute": 18}
